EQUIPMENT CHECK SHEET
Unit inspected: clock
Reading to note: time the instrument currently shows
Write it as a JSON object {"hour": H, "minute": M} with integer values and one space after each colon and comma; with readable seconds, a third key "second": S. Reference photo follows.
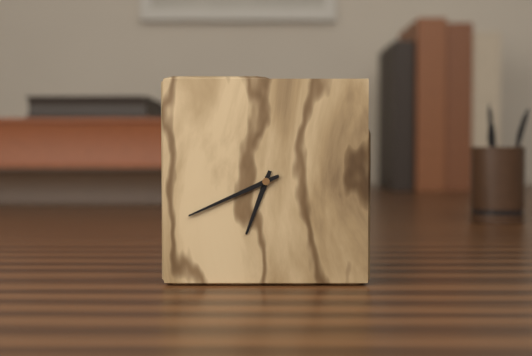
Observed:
{"hour": 6, "minute": 41}
